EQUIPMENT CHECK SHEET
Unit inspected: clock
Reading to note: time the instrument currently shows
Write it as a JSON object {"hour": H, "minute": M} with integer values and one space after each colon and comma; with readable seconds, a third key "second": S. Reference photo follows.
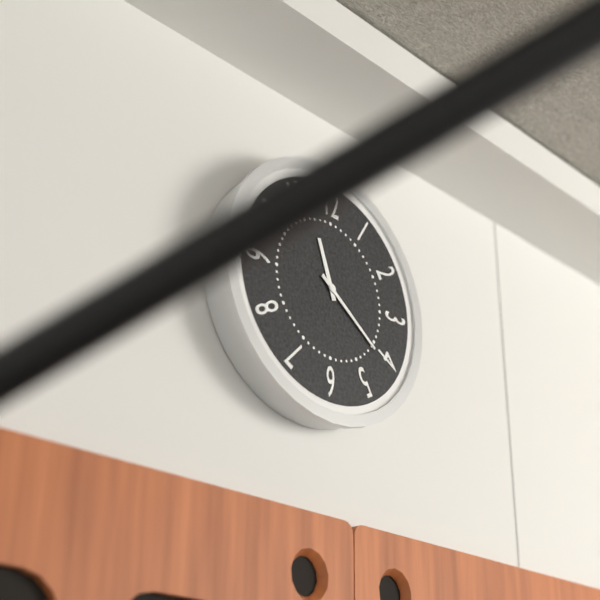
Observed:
{"hour": 11, "minute": 21}
